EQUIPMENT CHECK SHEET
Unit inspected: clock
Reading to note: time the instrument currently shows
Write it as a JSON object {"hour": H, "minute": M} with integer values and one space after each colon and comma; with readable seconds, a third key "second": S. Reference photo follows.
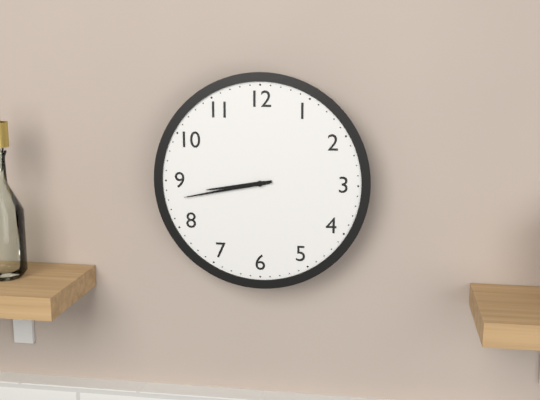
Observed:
{"hour": 8, "minute": 43}
